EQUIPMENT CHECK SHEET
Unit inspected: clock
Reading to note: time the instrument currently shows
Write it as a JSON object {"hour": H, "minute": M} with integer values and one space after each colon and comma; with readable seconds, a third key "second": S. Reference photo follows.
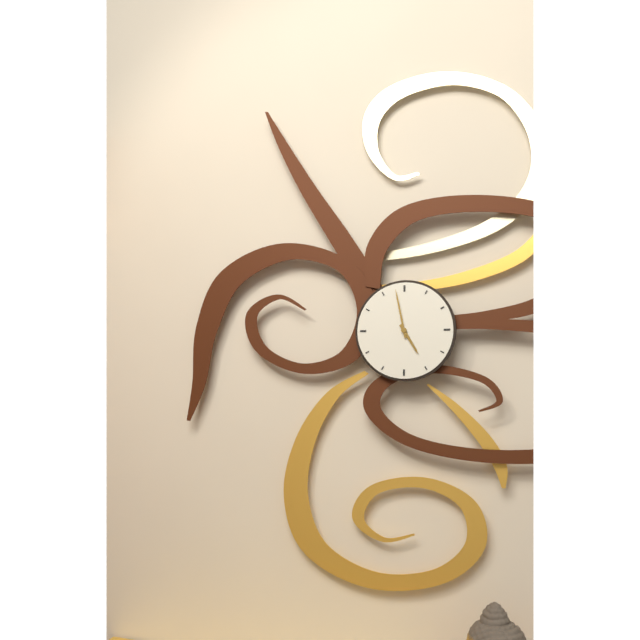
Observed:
{"hour": 4, "minute": 58}
